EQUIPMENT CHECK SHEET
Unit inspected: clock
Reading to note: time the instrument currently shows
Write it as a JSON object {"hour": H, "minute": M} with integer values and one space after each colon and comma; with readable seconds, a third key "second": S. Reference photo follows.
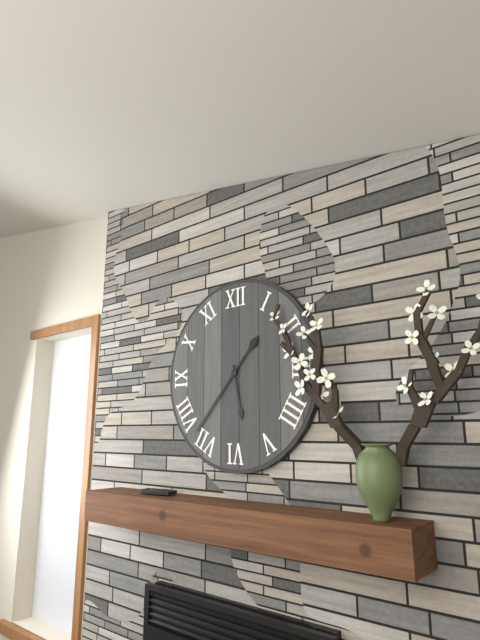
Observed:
{"hour": 5, "minute": 37}
